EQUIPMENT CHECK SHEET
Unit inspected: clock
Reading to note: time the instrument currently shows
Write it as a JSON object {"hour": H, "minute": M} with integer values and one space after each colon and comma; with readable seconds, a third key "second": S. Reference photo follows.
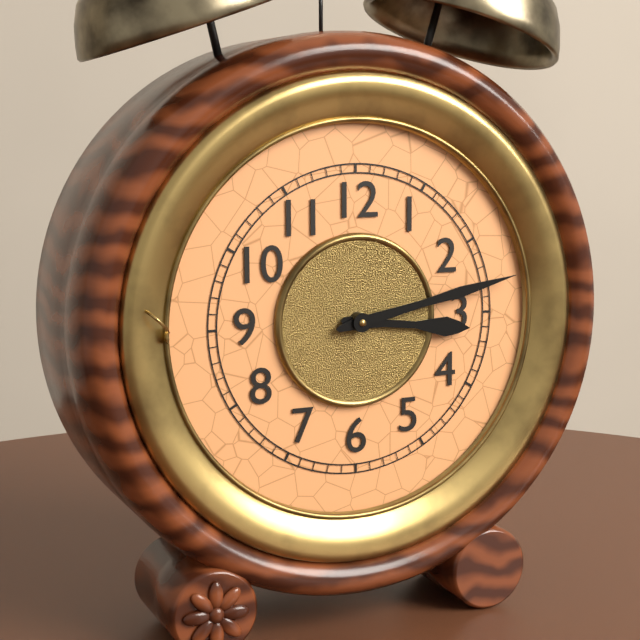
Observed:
{"hour": 3, "minute": 13}
